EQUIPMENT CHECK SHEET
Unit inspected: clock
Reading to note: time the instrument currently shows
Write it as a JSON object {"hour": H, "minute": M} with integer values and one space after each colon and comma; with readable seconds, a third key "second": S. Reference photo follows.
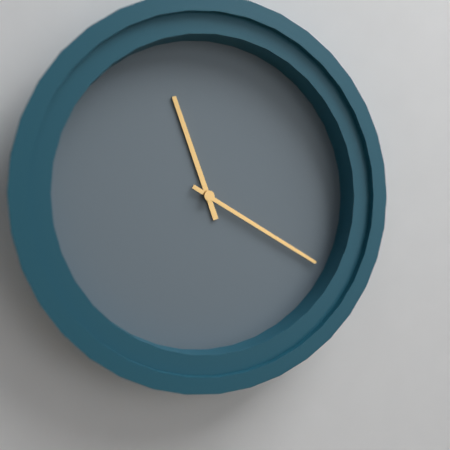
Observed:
{"hour": 11, "minute": 20}
